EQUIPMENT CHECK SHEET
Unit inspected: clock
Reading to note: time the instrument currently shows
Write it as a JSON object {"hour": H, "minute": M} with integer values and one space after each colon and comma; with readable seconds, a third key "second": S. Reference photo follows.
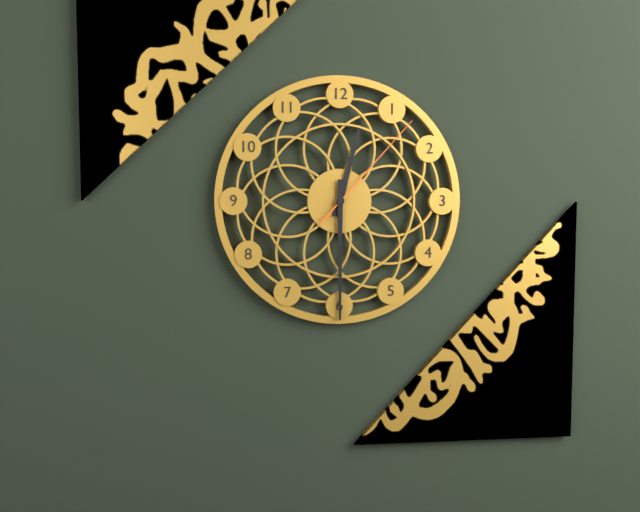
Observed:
{"hour": 12, "minute": 30, "second": 7}
